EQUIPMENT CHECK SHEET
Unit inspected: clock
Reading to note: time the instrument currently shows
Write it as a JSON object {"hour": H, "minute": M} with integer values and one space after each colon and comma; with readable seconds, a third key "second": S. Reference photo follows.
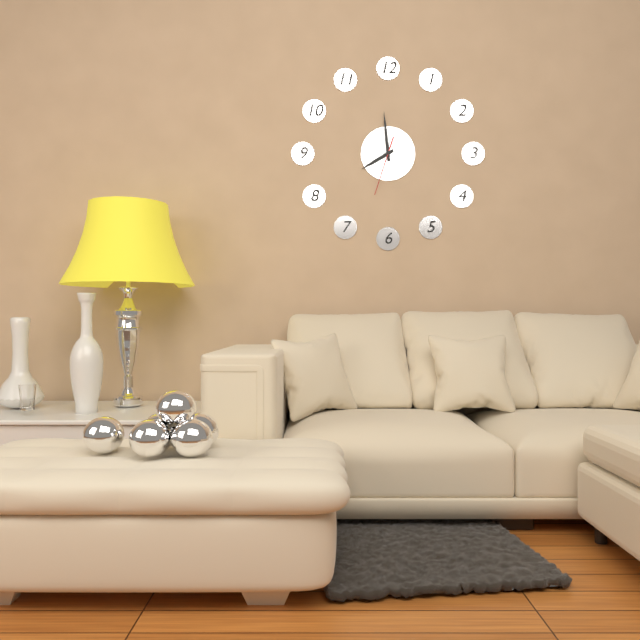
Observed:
{"hour": 7, "minute": 59, "second": 33}
